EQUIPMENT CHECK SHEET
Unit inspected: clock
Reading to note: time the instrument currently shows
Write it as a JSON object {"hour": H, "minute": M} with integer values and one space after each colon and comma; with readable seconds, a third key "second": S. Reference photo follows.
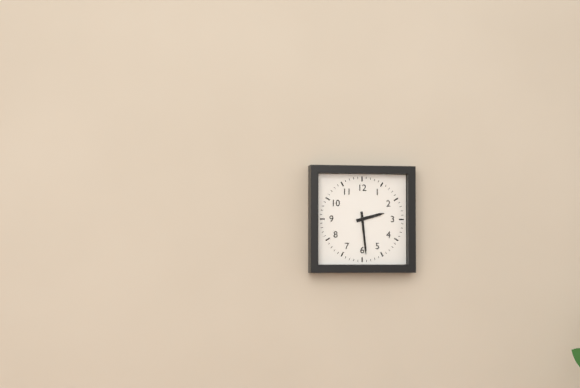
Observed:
{"hour": 2, "minute": 29}
